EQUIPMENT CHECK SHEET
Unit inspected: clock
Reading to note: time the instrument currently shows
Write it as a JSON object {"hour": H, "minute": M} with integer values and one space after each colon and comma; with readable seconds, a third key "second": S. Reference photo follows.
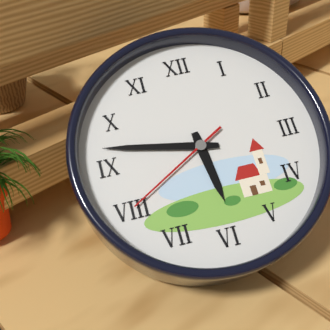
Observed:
{"hour": 5, "minute": 47, "second": 40}
